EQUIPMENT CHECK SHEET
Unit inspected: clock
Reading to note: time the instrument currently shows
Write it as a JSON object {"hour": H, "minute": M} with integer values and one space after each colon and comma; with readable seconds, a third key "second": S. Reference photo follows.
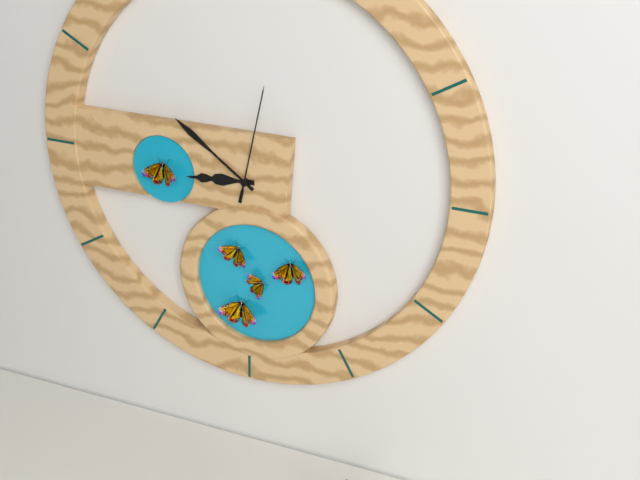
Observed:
{"hour": 8, "minute": 51, "second": 2}
